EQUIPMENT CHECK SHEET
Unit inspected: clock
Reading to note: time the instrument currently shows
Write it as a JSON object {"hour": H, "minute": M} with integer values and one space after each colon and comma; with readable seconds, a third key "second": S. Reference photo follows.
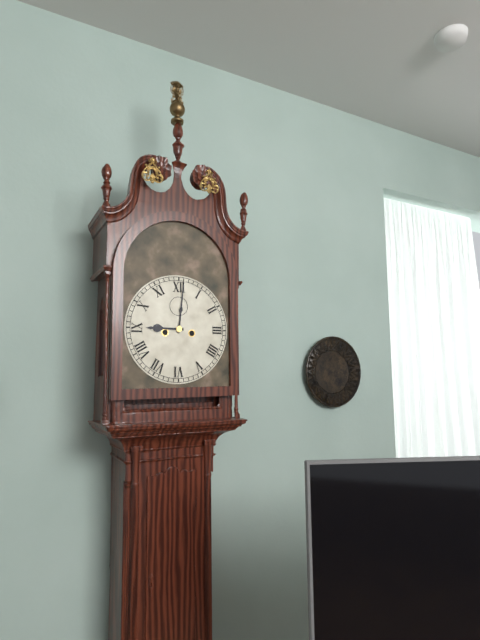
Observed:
{"hour": 9, "minute": 1}
